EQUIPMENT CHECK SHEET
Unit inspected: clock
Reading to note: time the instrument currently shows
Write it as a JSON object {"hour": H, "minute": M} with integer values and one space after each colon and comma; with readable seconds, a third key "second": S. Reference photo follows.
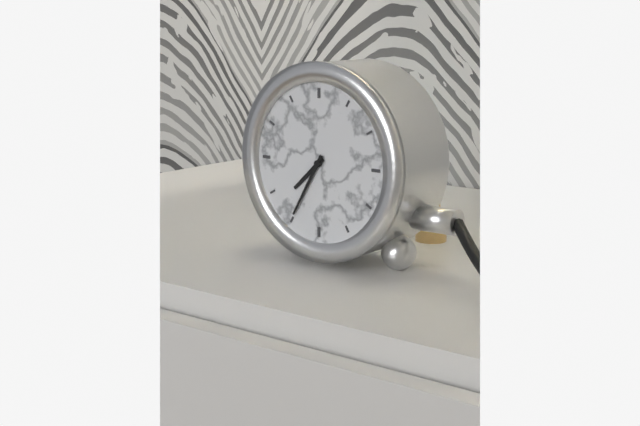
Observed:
{"hour": 7, "minute": 35}
